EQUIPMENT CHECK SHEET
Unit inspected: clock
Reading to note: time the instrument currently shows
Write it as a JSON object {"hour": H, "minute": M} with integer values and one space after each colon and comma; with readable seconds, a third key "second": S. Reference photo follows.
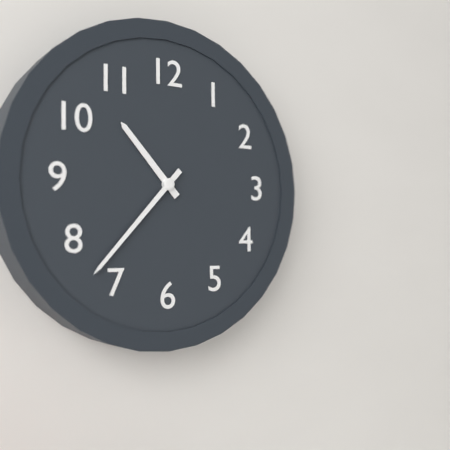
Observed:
{"hour": 10, "minute": 37}
